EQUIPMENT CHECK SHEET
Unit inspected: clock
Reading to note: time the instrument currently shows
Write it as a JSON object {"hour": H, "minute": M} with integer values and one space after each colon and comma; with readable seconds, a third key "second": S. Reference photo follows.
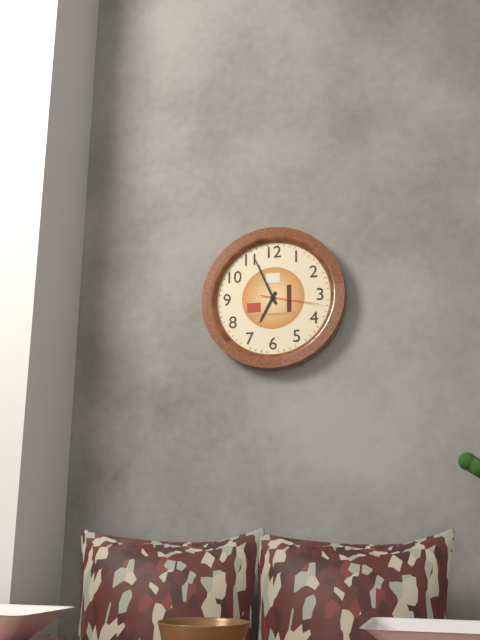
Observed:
{"hour": 6, "minute": 56, "second": 17}
